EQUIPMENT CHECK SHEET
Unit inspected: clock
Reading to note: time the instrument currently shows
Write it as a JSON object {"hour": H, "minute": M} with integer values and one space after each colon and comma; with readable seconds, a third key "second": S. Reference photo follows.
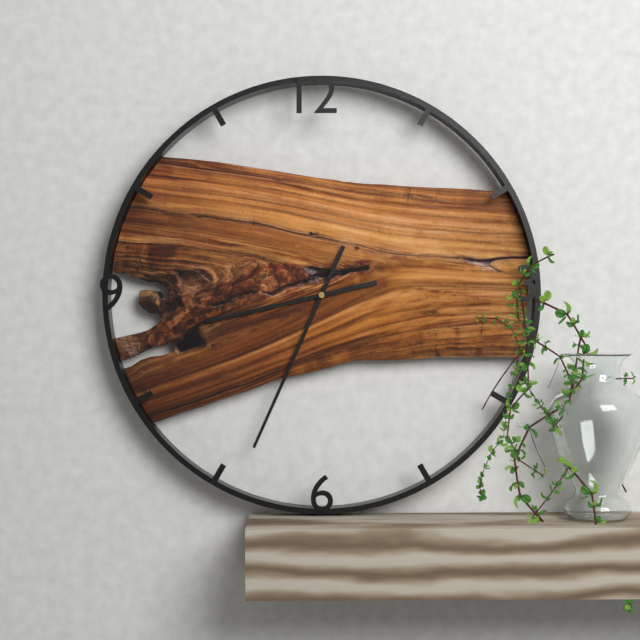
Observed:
{"hour": 8, "minute": 34}
